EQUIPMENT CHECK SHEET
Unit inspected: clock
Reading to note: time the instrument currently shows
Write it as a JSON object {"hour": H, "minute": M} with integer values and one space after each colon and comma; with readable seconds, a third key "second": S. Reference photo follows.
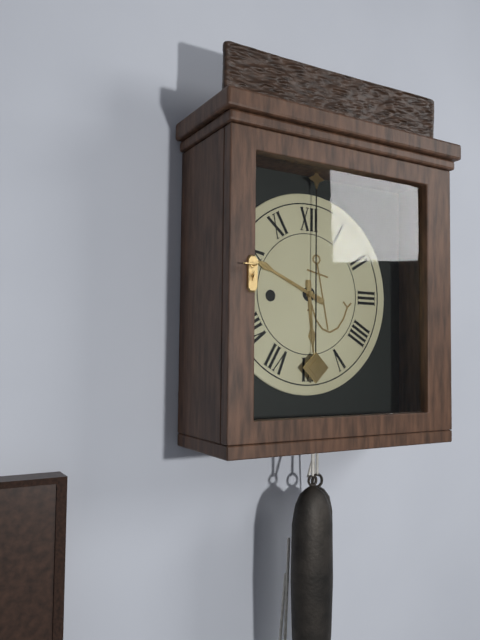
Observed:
{"hour": 5, "minute": 49}
